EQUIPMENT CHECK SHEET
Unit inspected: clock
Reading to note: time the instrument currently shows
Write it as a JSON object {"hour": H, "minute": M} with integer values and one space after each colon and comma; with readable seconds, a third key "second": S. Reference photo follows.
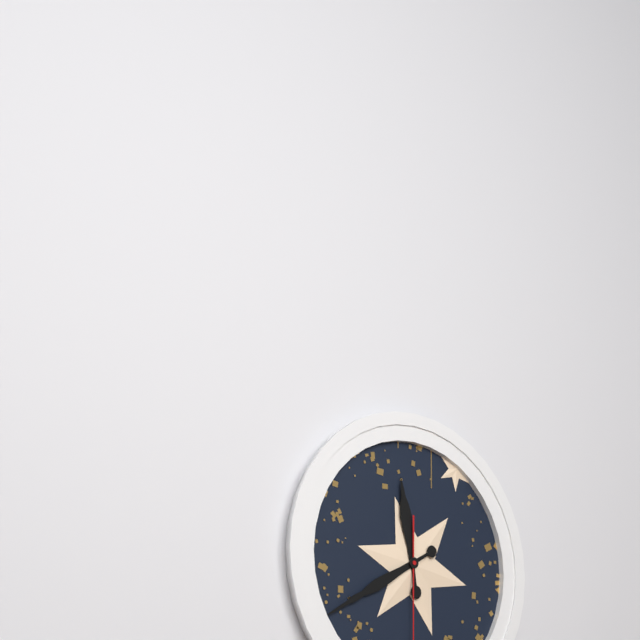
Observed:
{"hour": 11, "minute": 40}
